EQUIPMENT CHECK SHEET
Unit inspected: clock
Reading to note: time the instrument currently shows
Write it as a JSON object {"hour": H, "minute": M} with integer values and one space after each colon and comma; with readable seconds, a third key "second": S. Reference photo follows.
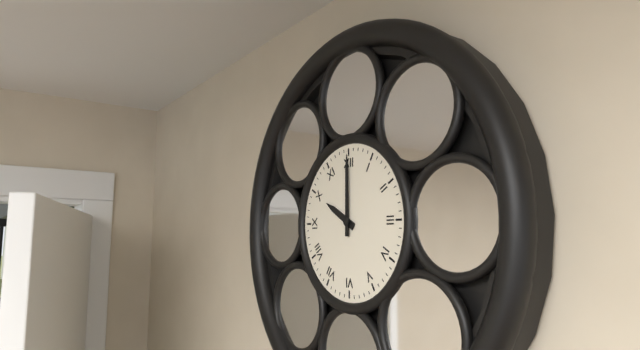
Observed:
{"hour": 10, "minute": 0}
